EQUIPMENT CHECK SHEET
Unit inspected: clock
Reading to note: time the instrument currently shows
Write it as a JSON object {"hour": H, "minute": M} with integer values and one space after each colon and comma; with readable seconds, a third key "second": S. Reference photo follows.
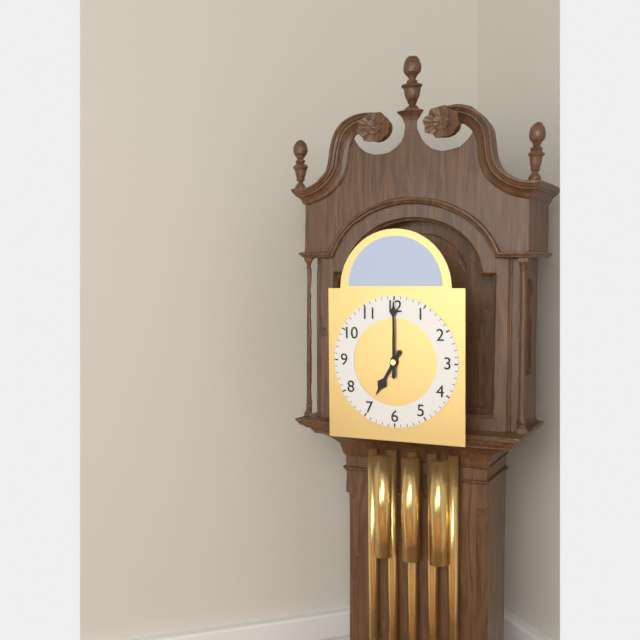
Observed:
{"hour": 7, "minute": 0}
